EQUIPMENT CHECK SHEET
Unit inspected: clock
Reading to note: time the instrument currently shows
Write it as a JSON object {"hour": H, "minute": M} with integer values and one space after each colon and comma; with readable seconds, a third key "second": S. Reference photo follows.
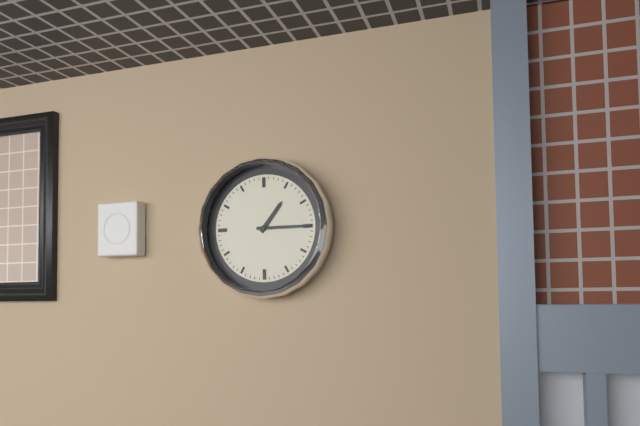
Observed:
{"hour": 1, "minute": 15}
